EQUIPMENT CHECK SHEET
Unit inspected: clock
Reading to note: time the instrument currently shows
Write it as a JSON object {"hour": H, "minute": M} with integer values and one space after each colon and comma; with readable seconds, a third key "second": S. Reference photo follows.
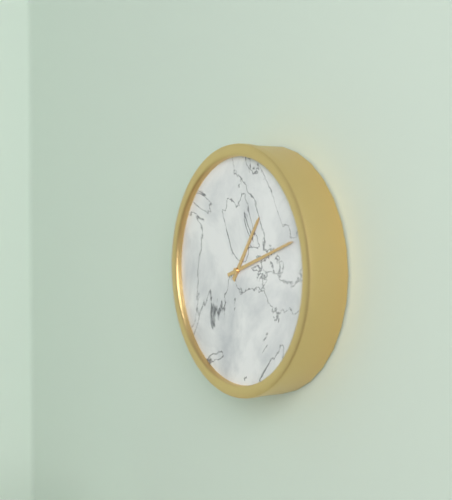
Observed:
{"hour": 1, "minute": 12}
